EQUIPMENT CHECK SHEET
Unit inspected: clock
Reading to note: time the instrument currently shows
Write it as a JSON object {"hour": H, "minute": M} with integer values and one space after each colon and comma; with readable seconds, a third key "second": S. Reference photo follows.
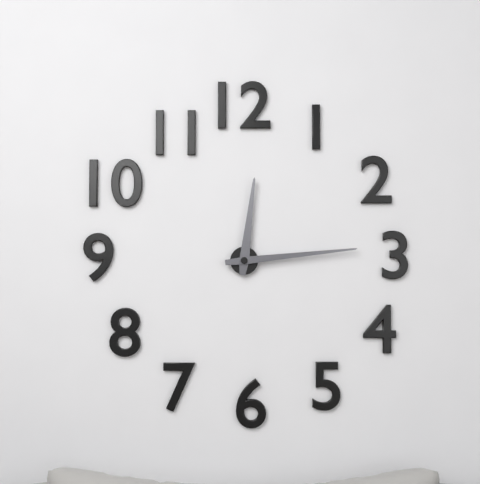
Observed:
{"hour": 12, "minute": 14}
